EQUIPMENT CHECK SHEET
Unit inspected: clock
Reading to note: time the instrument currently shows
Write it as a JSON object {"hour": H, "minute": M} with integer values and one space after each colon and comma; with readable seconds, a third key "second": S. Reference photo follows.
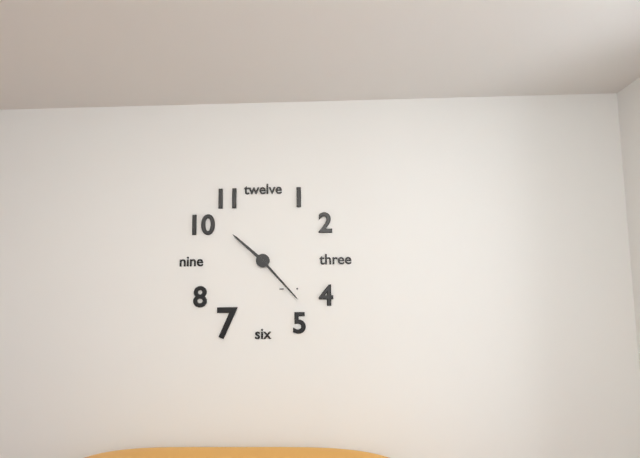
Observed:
{"hour": 10, "minute": 23}
